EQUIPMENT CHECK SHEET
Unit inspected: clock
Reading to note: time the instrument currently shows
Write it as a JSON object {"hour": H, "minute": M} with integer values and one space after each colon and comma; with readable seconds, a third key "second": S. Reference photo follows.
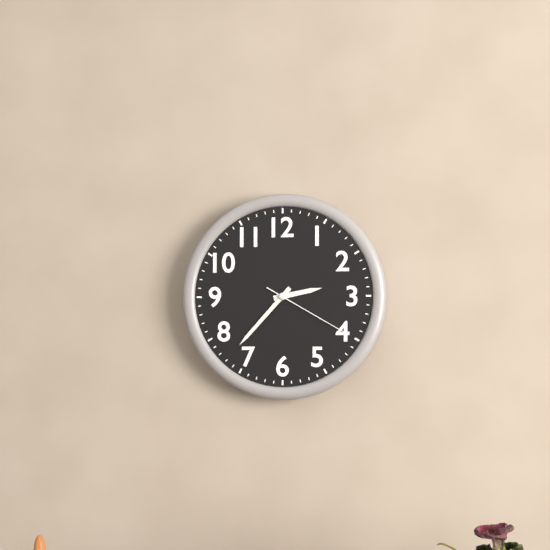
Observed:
{"hour": 2, "minute": 37, "second": 20}
